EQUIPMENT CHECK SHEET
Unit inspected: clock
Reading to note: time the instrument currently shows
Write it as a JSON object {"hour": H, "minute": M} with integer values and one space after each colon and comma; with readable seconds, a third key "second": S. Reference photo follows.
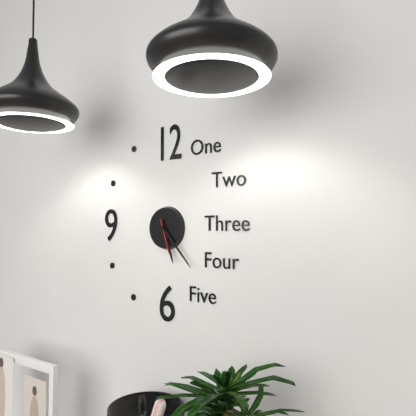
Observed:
{"hour": 5, "minute": 23}
